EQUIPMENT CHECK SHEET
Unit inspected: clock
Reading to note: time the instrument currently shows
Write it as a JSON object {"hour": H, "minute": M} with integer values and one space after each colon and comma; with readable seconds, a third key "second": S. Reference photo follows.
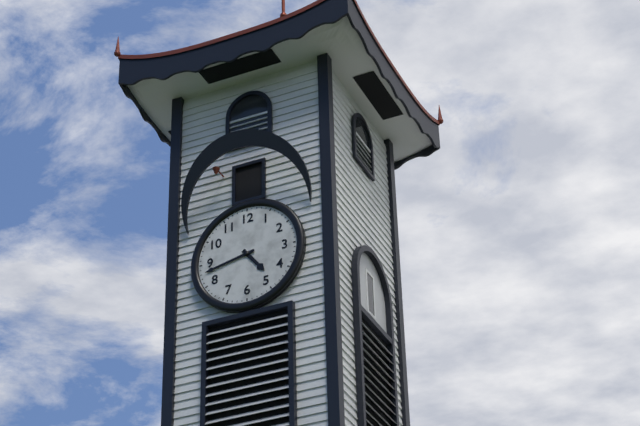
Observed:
{"hour": 4, "minute": 43}
